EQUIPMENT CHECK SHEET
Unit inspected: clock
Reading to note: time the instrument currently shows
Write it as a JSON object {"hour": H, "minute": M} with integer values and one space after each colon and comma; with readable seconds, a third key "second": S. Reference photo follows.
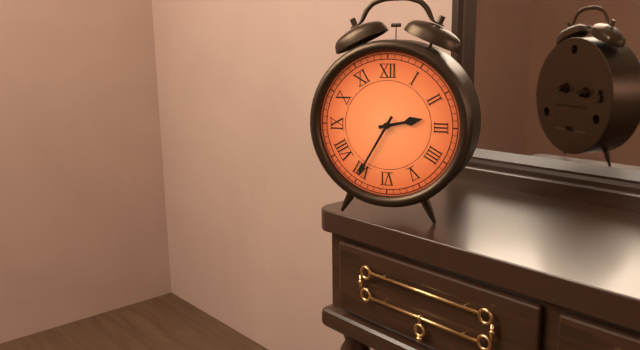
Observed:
{"hour": 2, "minute": 35}
